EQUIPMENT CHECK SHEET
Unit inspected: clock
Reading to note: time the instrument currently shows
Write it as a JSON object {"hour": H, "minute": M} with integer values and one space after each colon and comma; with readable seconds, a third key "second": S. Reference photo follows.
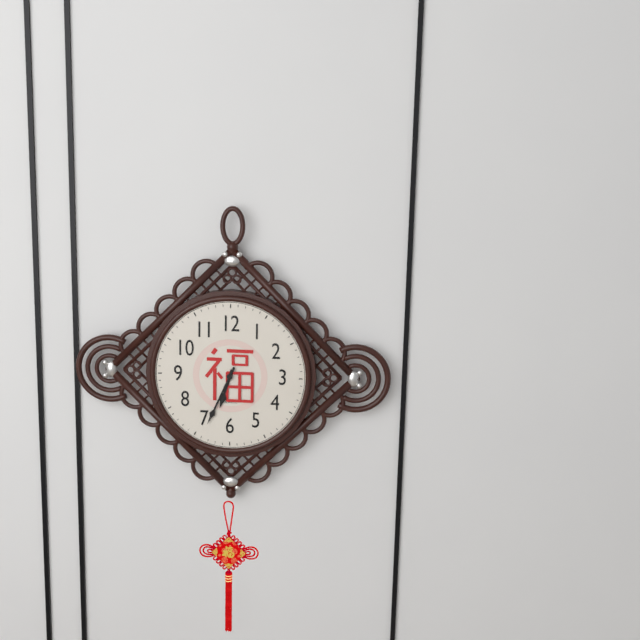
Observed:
{"hour": 6, "minute": 34}
